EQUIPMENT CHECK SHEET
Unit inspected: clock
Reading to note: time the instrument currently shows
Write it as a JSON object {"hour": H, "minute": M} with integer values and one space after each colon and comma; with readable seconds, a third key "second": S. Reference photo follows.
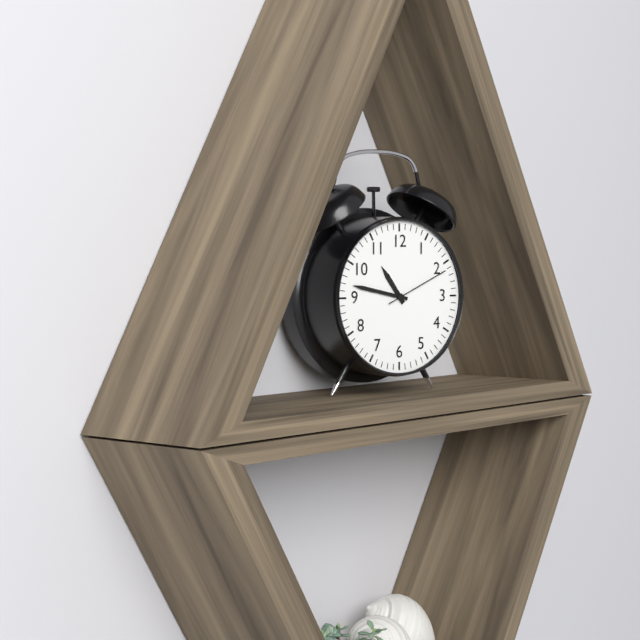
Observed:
{"hour": 10, "minute": 47, "second": 11}
